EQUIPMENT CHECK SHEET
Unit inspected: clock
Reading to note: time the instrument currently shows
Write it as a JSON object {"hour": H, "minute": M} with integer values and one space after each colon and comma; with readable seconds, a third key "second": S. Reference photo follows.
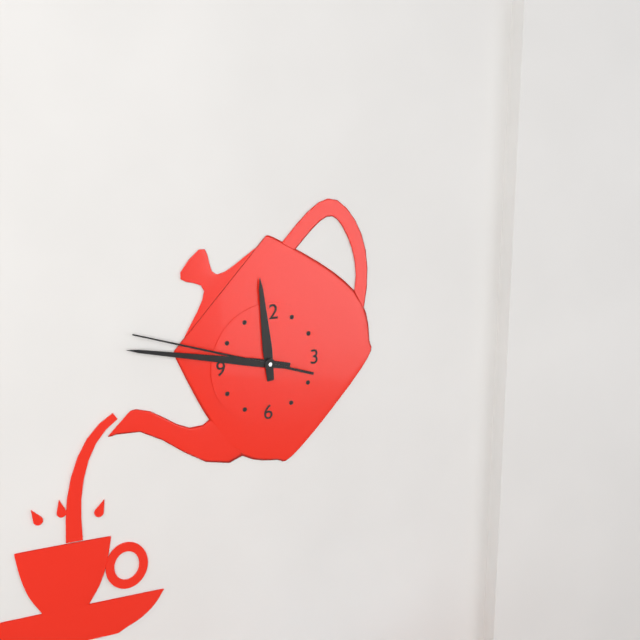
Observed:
{"hour": 11, "minute": 47, "second": 48}
